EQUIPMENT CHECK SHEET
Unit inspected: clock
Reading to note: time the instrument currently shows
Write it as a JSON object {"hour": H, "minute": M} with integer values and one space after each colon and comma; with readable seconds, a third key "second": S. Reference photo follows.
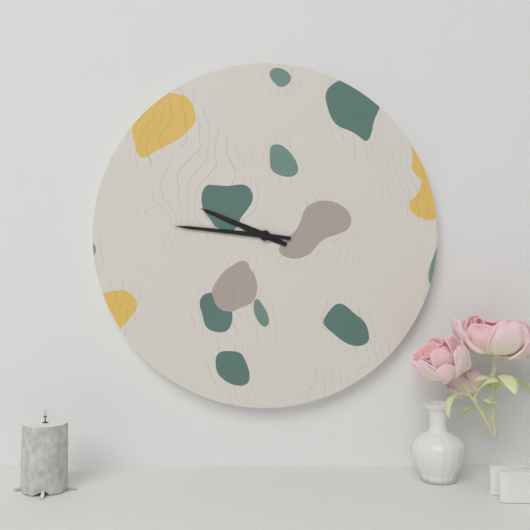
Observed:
{"hour": 9, "minute": 46}
